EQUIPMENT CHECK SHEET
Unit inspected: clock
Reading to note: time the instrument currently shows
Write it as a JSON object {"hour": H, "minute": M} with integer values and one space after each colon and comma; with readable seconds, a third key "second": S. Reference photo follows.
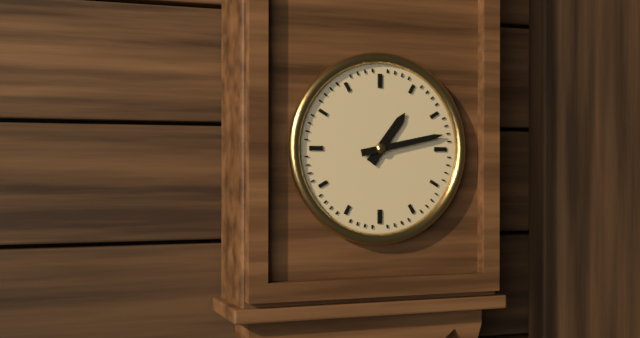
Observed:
{"hour": 1, "minute": 13}
